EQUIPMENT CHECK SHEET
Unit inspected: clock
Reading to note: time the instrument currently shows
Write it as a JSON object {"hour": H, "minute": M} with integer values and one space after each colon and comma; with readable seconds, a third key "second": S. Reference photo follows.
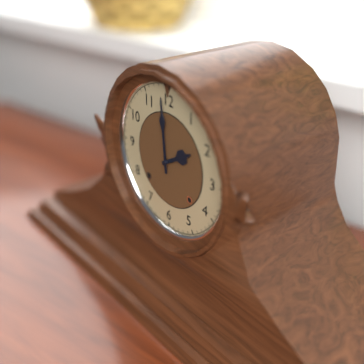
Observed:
{"hour": 1, "minute": 59}
